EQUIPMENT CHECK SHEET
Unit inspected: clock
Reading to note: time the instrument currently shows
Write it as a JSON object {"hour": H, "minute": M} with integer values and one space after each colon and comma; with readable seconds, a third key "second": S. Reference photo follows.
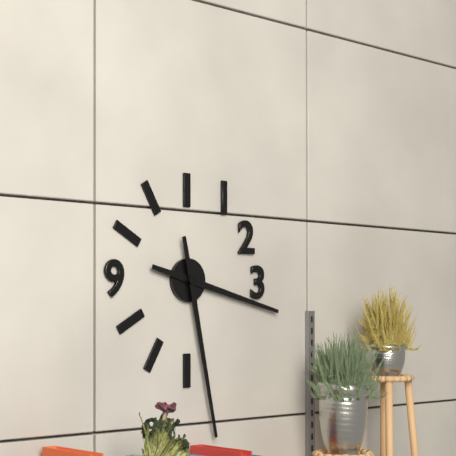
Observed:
{"hour": 3, "minute": 28}
